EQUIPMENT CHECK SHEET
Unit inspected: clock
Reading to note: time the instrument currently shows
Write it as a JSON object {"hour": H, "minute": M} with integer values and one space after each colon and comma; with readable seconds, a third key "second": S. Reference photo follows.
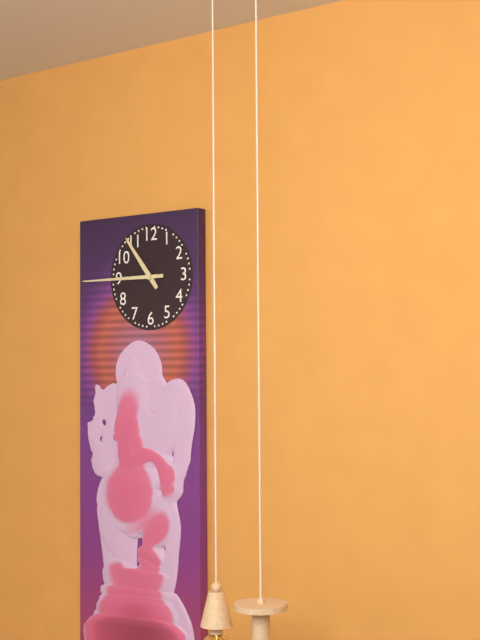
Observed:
{"hour": 10, "minute": 45}
